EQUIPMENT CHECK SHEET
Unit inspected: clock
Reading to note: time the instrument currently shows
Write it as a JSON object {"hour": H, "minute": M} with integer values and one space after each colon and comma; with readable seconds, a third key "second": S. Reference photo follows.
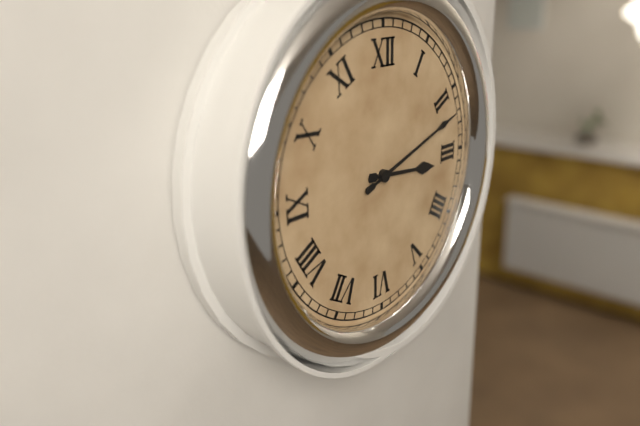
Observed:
{"hour": 3, "minute": 12}
